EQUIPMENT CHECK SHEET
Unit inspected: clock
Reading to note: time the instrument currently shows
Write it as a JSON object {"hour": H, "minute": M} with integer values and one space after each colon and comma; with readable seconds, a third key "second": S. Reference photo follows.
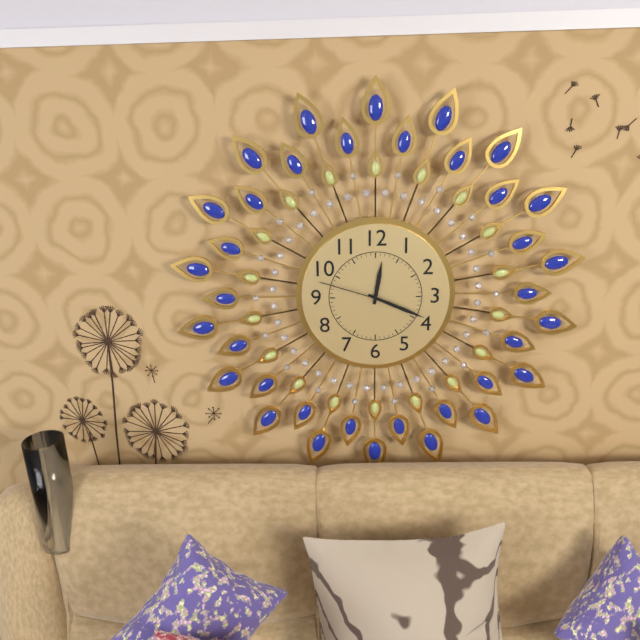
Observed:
{"hour": 12, "minute": 19, "second": 48}
